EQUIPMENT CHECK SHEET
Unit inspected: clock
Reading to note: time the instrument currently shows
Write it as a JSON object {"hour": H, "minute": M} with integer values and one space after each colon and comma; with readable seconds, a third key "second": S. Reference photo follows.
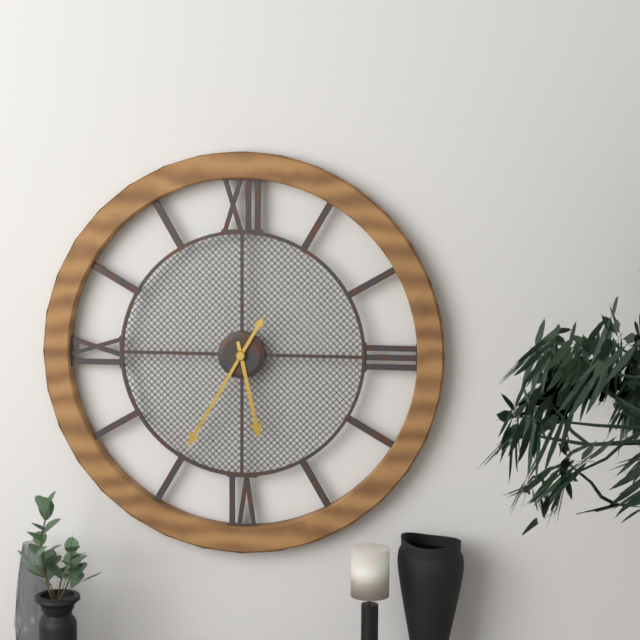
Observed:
{"hour": 5, "minute": 35}
